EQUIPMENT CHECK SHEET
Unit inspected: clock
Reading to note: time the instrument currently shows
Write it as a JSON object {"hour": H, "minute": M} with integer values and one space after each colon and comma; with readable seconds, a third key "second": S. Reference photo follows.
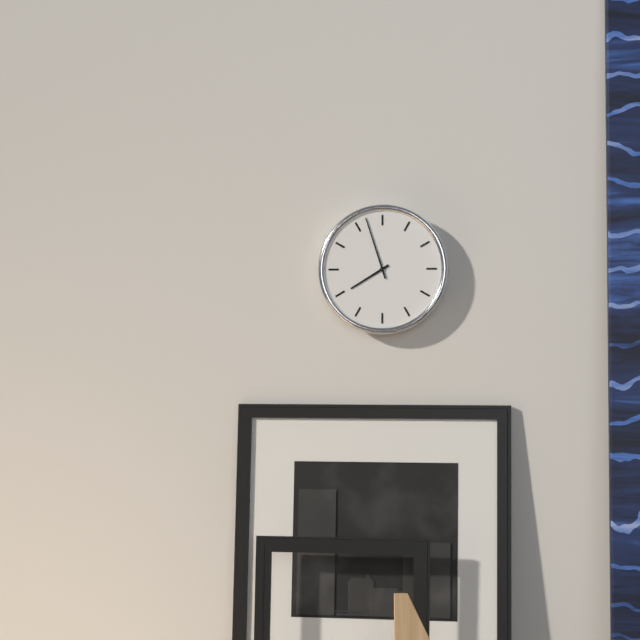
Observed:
{"hour": 7, "minute": 57}
